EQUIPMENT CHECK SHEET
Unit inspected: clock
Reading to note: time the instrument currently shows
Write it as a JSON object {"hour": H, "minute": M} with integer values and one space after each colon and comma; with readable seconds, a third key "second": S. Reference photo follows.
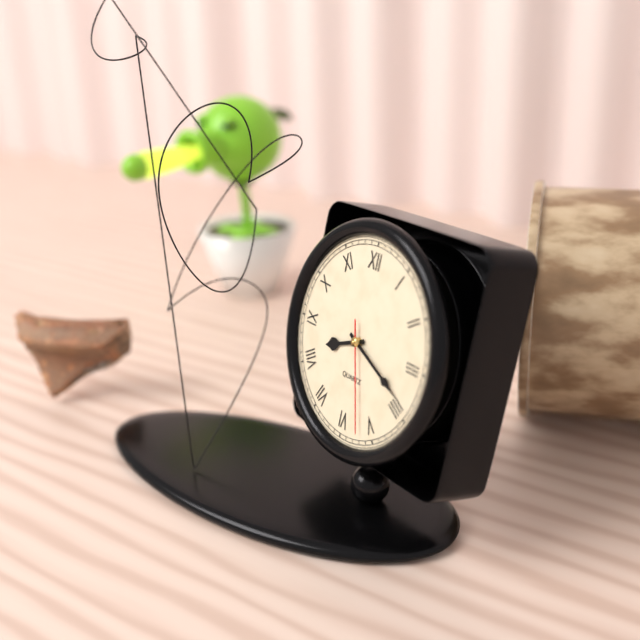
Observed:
{"hour": 8, "minute": 19, "second": 27}
